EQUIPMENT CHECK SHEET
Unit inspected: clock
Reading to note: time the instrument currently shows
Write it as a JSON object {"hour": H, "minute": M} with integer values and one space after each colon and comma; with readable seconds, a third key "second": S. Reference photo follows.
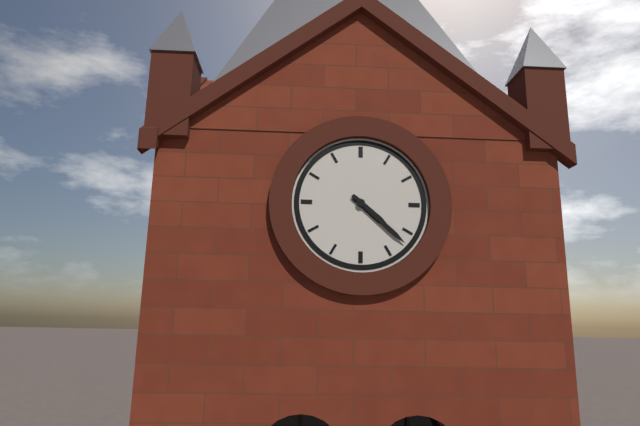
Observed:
{"hour": 4, "minute": 22}
